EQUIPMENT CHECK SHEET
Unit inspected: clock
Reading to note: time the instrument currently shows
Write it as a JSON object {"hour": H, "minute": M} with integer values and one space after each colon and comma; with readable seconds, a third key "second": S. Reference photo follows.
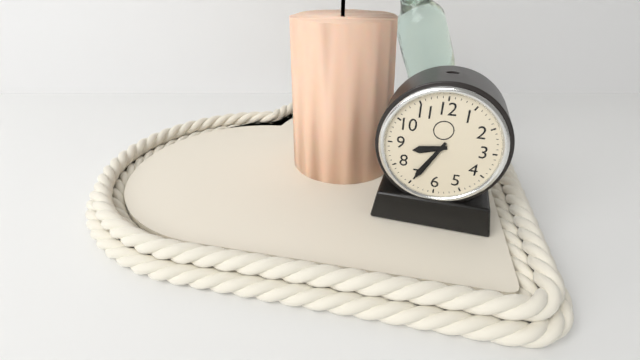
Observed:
{"hour": 8, "minute": 35}
